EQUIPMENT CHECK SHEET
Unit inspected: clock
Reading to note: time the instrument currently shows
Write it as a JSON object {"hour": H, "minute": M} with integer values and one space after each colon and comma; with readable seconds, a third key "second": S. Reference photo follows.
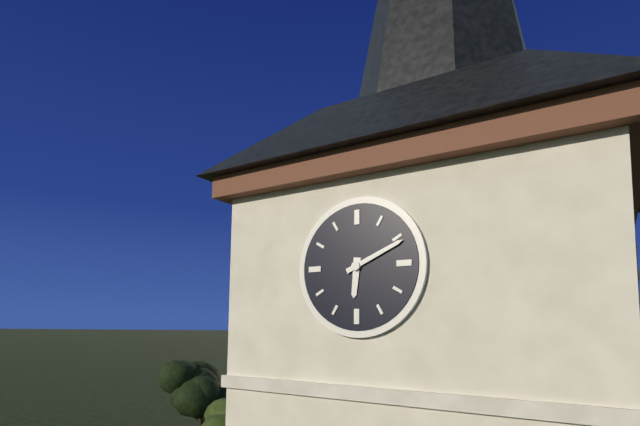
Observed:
{"hour": 6, "minute": 11}
